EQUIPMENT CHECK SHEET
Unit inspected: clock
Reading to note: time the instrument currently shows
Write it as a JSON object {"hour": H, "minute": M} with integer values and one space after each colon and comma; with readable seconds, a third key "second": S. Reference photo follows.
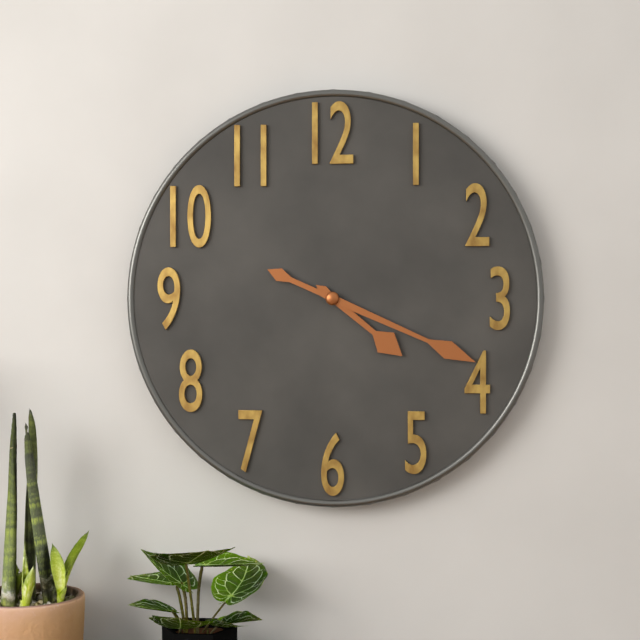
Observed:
{"hour": 4, "minute": 19}
